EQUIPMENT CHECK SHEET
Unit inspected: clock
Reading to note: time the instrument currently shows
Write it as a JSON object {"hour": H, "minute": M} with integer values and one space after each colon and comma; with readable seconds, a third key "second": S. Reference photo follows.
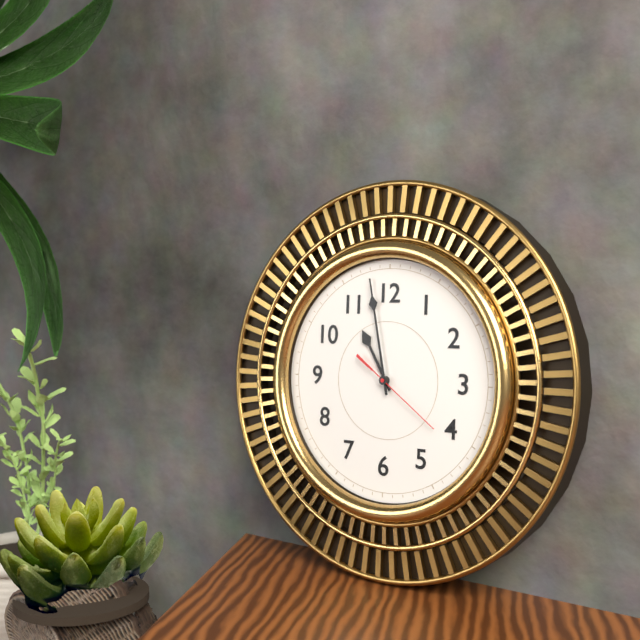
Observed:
{"hour": 10, "minute": 58, "second": 21}
